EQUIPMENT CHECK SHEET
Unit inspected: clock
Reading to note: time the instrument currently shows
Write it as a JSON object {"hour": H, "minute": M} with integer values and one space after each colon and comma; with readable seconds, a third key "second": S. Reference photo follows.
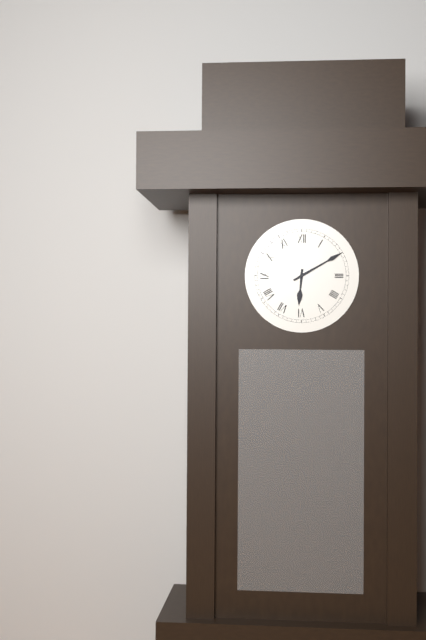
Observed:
{"hour": 6, "minute": 10}
